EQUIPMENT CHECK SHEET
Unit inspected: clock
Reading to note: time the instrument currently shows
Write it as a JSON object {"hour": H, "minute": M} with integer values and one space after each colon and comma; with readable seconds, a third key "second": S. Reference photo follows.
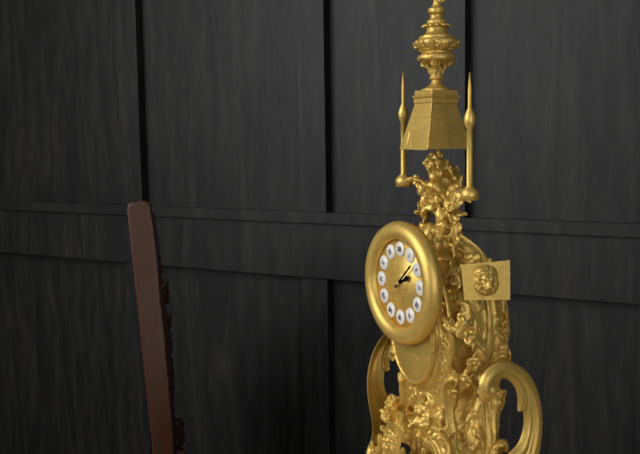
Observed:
{"hour": 2, "minute": 8}
